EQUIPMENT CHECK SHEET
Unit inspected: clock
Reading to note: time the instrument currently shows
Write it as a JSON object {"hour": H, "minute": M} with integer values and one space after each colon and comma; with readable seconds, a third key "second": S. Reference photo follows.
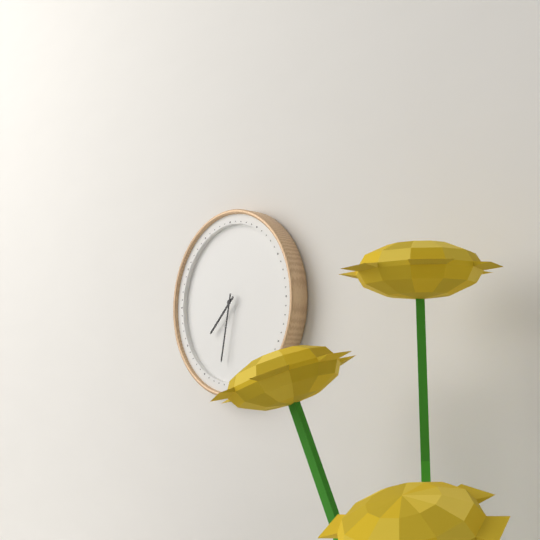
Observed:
{"hour": 7, "minute": 32}
